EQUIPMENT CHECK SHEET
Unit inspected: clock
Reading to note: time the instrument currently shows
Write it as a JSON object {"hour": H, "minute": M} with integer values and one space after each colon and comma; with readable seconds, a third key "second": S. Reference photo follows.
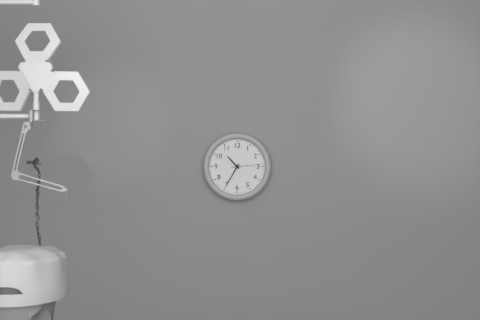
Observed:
{"hour": 10, "minute": 35}
